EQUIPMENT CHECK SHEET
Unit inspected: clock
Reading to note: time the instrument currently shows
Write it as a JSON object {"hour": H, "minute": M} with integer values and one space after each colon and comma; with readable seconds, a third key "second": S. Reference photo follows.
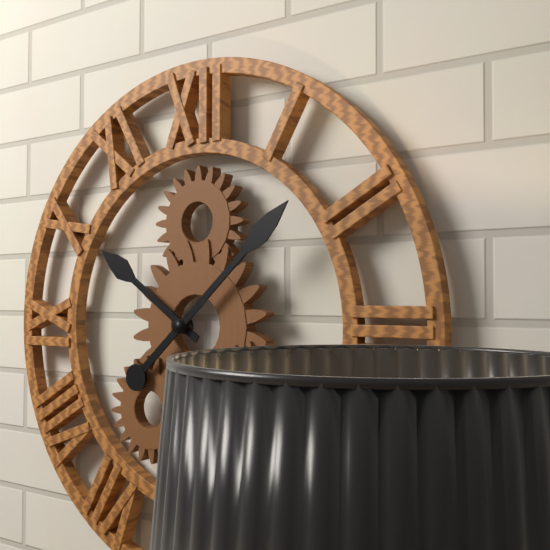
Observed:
{"hour": 10, "minute": 8}
